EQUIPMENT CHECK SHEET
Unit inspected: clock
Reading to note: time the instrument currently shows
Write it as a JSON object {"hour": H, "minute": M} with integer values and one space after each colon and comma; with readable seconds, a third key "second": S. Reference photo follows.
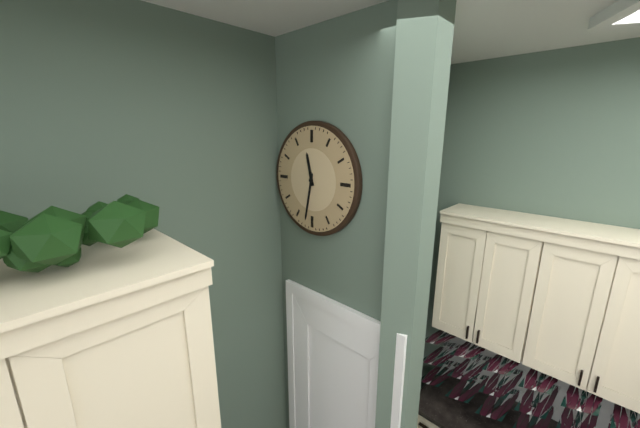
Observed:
{"hour": 11, "minute": 32}
